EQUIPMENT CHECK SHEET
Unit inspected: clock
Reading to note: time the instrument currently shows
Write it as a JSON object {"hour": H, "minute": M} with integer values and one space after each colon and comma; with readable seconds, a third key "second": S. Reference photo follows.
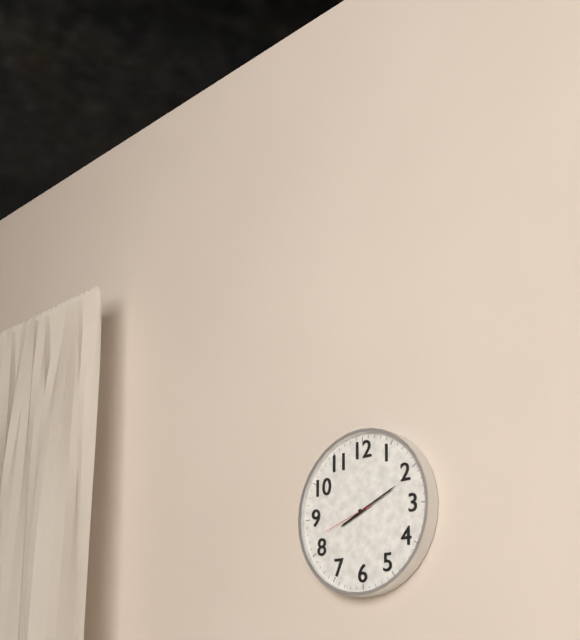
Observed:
{"hour": 8, "minute": 11, "second": 42}
